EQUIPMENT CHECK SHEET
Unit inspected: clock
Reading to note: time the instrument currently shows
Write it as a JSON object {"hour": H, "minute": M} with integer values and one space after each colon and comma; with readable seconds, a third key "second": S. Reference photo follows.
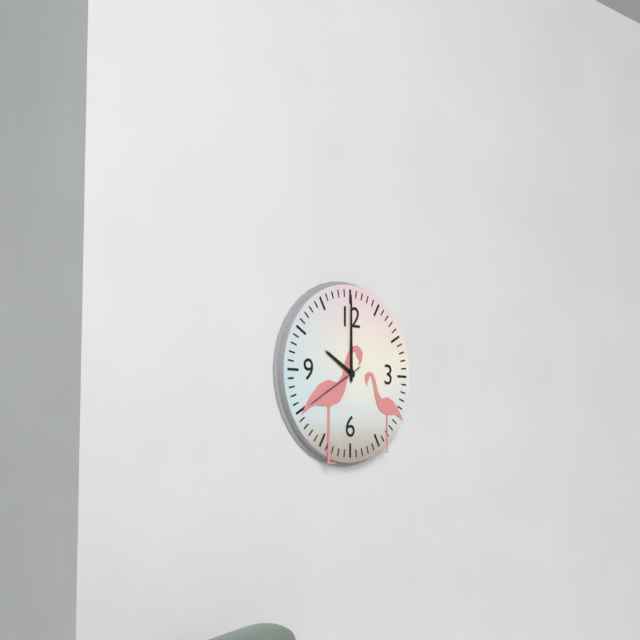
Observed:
{"hour": 10, "minute": 0, "second": 40}
